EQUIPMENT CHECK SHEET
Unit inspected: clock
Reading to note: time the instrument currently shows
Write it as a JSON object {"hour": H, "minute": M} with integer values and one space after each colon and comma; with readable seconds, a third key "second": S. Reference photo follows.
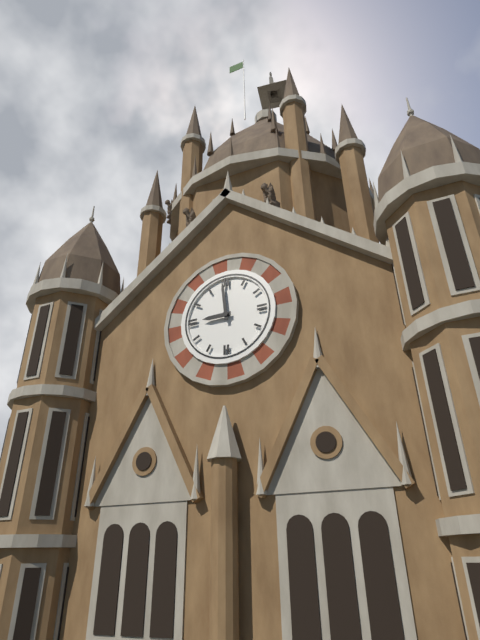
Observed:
{"hour": 8, "minute": 59}
